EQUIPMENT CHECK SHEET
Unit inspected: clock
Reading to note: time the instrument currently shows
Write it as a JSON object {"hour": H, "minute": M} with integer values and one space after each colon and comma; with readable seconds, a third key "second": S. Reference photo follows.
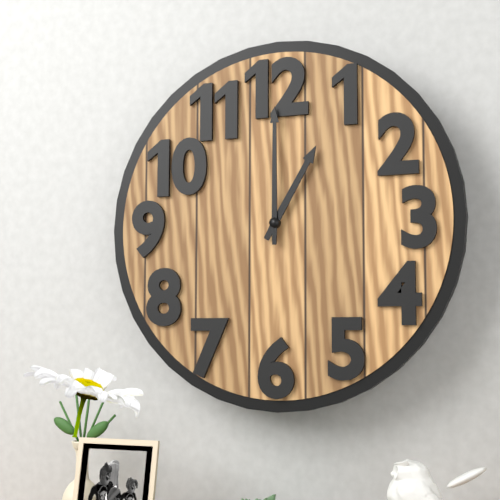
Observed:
{"hour": 1, "minute": 0}
